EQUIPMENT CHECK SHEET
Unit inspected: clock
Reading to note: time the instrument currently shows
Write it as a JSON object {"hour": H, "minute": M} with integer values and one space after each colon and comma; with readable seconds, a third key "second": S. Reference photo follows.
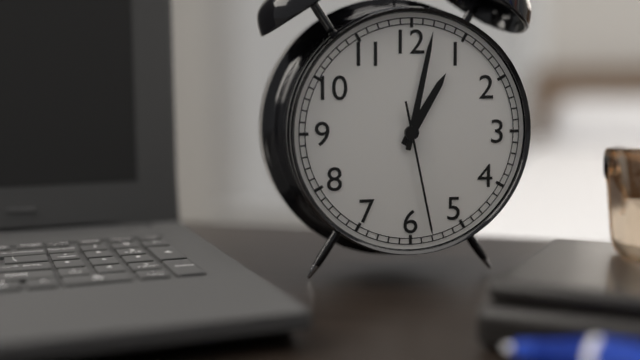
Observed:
{"hour": 1, "minute": 2, "second": 28}
